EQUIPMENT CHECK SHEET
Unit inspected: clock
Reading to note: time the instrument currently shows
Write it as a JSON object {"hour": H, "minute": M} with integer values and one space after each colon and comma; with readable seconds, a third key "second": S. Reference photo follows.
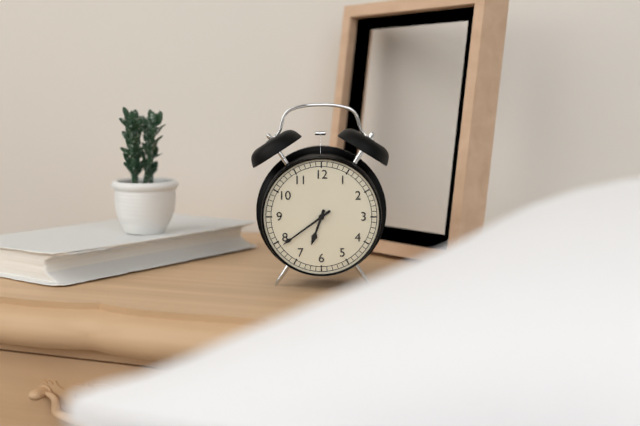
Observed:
{"hour": 6, "minute": 39}
